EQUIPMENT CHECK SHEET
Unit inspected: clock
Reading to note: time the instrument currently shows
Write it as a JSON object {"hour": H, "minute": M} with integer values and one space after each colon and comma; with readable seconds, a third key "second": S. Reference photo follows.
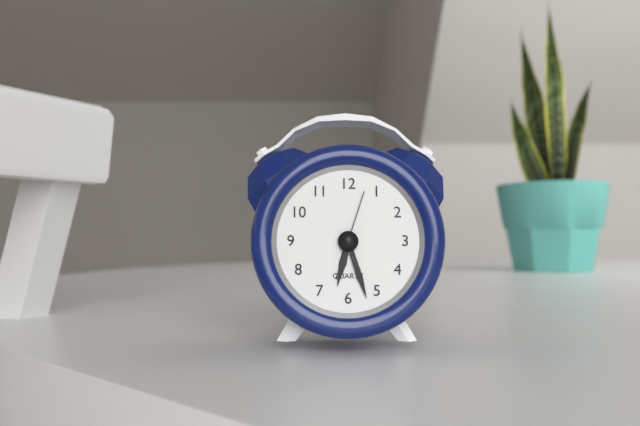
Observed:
{"hour": 6, "minute": 27, "second": 3}
